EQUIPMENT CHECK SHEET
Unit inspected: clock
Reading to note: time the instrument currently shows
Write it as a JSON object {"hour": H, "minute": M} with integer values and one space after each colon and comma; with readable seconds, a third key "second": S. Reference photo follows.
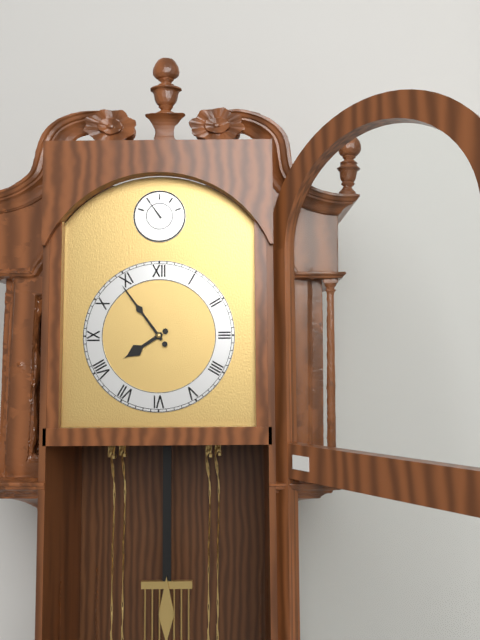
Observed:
{"hour": 7, "minute": 54}
